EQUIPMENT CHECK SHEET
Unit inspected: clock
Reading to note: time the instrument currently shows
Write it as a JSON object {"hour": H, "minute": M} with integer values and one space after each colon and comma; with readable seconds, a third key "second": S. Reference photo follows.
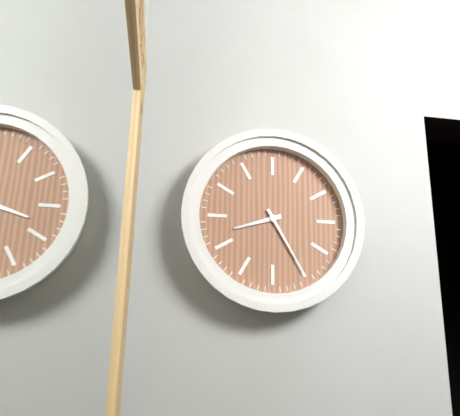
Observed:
{"hour": 8, "minute": 25}
